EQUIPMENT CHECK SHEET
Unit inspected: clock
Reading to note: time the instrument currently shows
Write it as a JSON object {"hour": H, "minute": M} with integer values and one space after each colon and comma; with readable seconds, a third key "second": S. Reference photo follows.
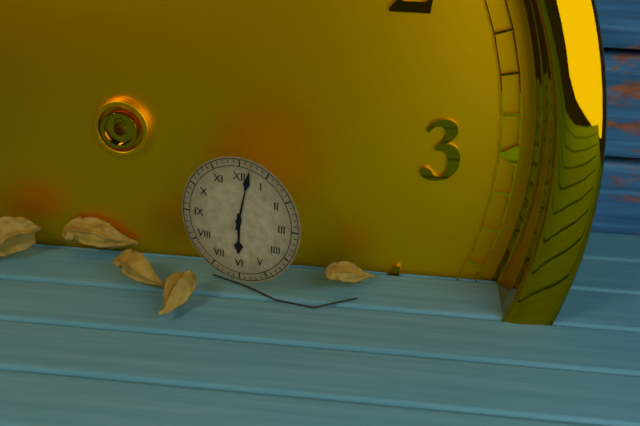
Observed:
{"hour": 6, "minute": 2}
